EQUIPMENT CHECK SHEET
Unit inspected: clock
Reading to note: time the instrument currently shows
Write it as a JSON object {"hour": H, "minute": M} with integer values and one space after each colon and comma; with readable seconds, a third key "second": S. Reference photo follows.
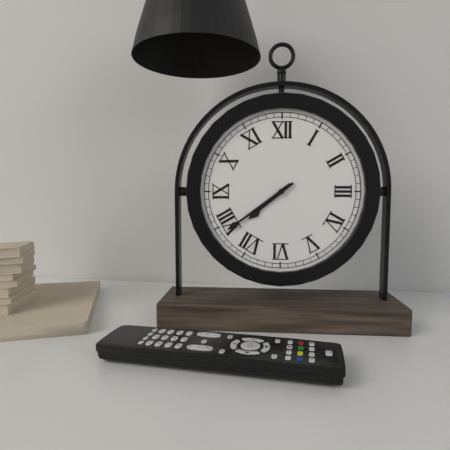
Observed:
{"hour": 7, "minute": 39}
